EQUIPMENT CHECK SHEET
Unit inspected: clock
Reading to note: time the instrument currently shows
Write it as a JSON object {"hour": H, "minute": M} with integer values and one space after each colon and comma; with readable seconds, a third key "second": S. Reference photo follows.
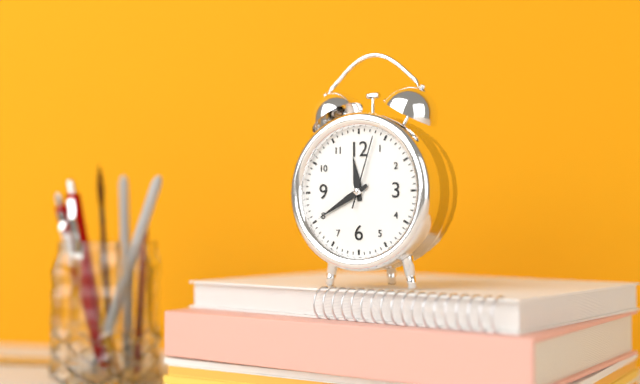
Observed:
{"hour": 11, "minute": 40, "second": 3}
